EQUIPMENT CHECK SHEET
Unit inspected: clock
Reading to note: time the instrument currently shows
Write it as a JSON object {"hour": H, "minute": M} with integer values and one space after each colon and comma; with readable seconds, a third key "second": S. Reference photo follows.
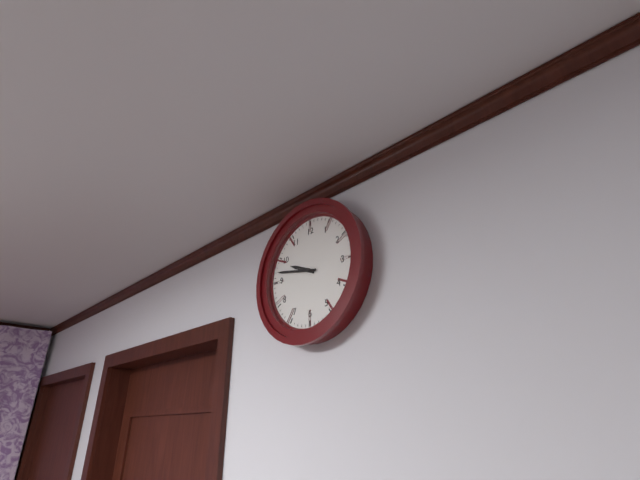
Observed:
{"hour": 9, "minute": 47}
